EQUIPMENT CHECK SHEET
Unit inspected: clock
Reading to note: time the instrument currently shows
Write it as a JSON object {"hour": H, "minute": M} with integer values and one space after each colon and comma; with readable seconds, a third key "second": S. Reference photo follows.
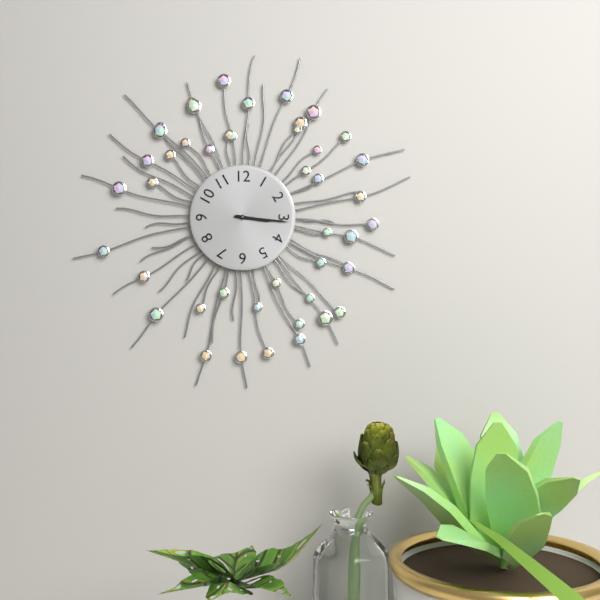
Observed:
{"hour": 3, "minute": 16}
